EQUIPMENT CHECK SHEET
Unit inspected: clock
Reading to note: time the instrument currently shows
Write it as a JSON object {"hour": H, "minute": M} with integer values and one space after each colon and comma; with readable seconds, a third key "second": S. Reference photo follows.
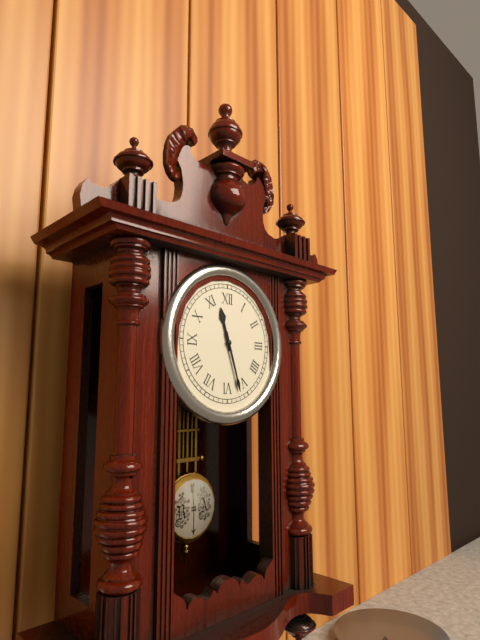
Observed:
{"hour": 11, "minute": 27}
